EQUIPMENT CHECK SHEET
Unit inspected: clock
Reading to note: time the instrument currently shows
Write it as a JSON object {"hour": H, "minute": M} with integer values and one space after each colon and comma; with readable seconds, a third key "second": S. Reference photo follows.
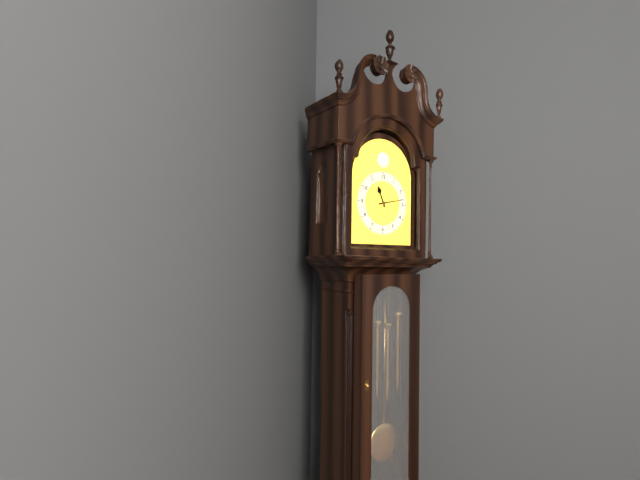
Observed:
{"hour": 11, "minute": 13}
